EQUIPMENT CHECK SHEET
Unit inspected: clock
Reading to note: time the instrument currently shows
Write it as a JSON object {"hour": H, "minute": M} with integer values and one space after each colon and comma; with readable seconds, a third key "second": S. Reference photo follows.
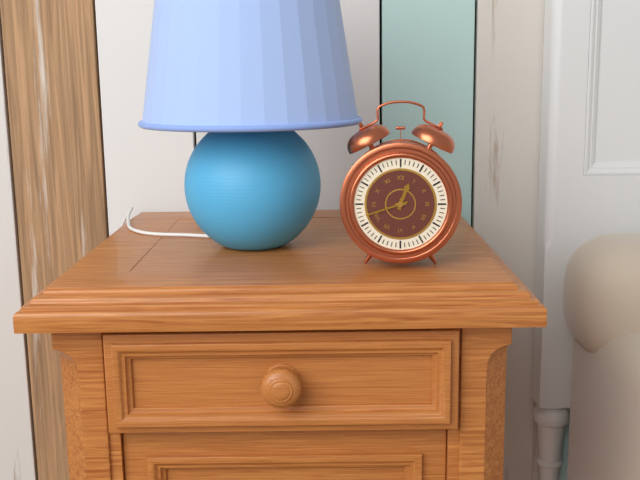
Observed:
{"hour": 12, "minute": 42}
